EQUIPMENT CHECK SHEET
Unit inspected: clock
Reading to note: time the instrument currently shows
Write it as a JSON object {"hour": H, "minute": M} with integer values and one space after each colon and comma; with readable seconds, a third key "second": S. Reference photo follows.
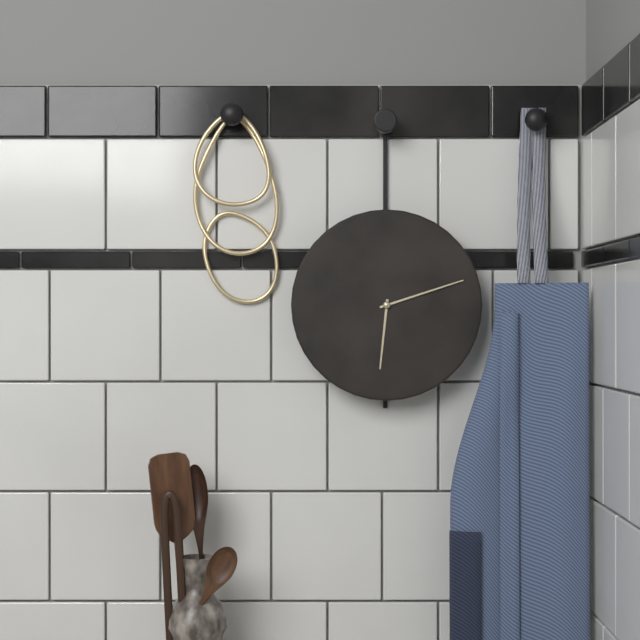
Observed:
{"hour": 6, "minute": 12}
